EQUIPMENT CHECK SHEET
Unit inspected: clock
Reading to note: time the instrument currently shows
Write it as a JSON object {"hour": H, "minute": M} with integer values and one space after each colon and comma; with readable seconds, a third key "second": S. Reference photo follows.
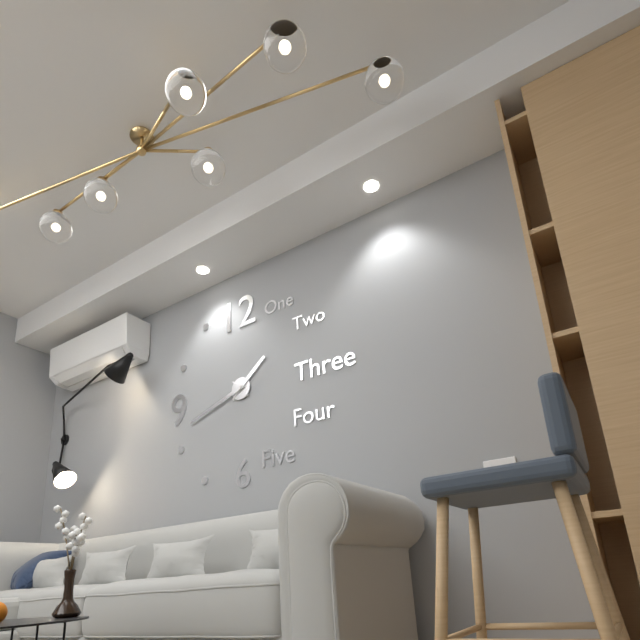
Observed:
{"hour": 1, "minute": 42}
